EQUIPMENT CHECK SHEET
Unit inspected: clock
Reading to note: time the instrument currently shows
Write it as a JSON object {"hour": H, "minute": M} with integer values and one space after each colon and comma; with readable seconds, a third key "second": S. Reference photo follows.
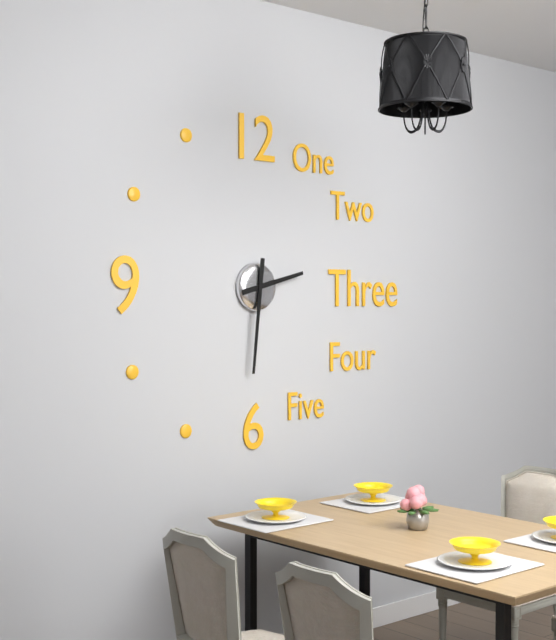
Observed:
{"hour": 2, "minute": 31}
